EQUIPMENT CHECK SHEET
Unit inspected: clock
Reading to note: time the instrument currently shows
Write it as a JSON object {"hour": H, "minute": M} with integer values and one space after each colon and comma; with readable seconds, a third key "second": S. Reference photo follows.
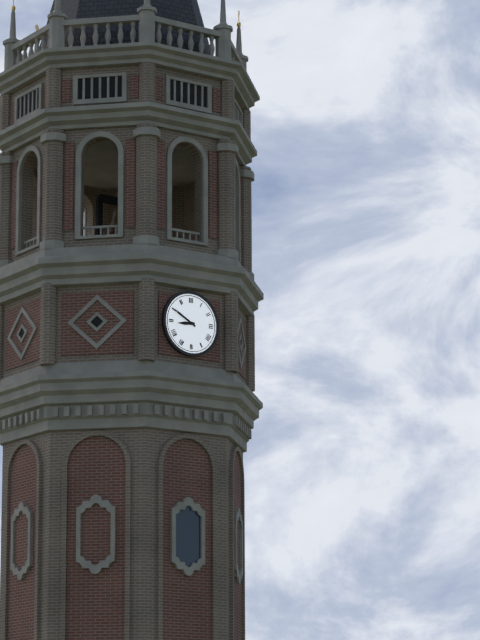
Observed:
{"hour": 8, "minute": 50}
